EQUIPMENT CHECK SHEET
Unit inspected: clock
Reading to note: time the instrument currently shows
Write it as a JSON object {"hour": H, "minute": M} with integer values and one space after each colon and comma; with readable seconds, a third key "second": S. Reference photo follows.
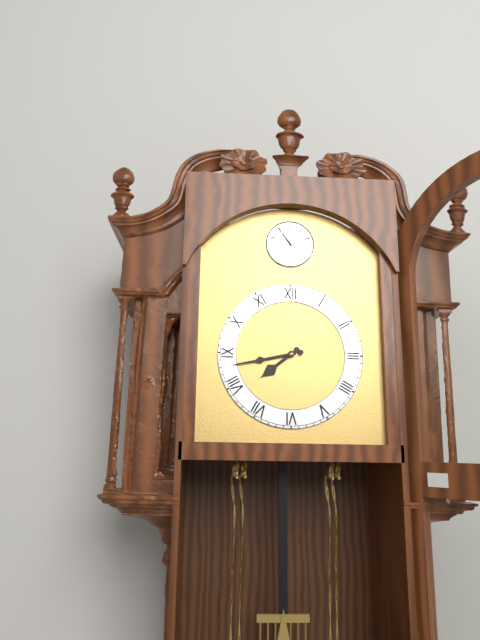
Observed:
{"hour": 7, "minute": 43}
